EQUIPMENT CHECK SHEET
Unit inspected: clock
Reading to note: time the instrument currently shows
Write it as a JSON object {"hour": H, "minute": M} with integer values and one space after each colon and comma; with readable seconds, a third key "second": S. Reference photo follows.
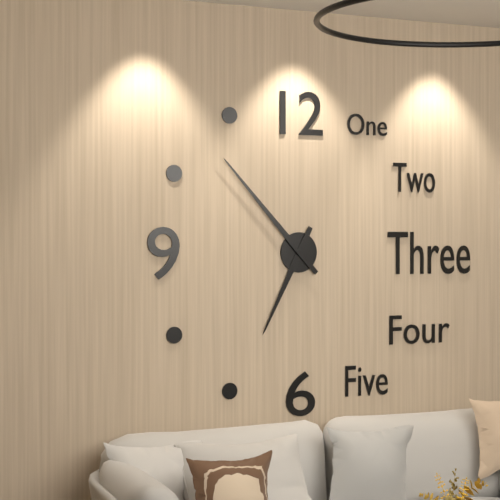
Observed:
{"hour": 6, "minute": 53}
